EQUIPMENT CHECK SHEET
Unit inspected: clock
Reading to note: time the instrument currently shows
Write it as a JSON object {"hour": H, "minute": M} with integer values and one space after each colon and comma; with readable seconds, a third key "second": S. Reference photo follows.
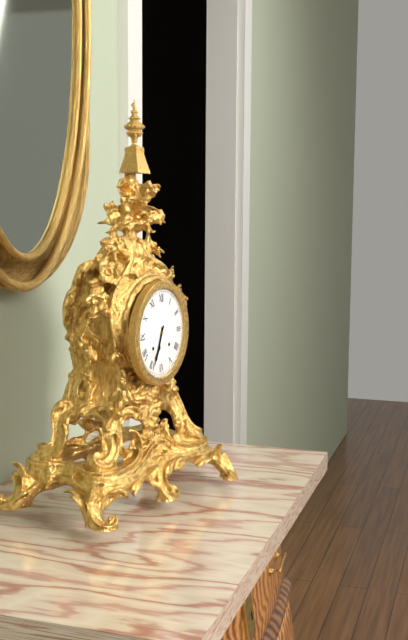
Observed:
{"hour": 6, "minute": 34}
